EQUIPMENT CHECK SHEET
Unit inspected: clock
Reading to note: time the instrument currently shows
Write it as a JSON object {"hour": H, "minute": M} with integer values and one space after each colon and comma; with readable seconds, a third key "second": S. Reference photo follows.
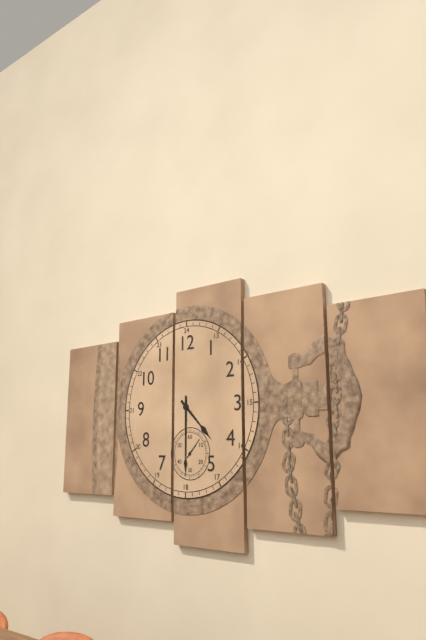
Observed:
{"hour": 4, "minute": 30}
